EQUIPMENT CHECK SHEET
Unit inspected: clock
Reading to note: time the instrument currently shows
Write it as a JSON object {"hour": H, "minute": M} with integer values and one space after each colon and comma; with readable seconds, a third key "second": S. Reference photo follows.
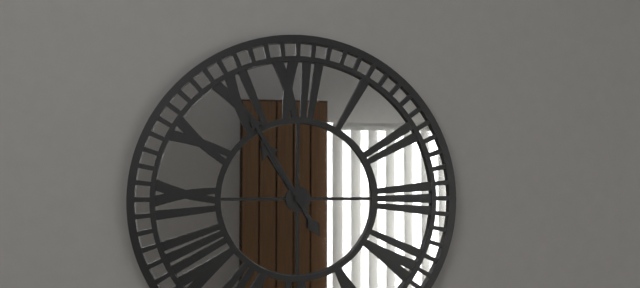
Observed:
{"hour": 10, "minute": 55}
